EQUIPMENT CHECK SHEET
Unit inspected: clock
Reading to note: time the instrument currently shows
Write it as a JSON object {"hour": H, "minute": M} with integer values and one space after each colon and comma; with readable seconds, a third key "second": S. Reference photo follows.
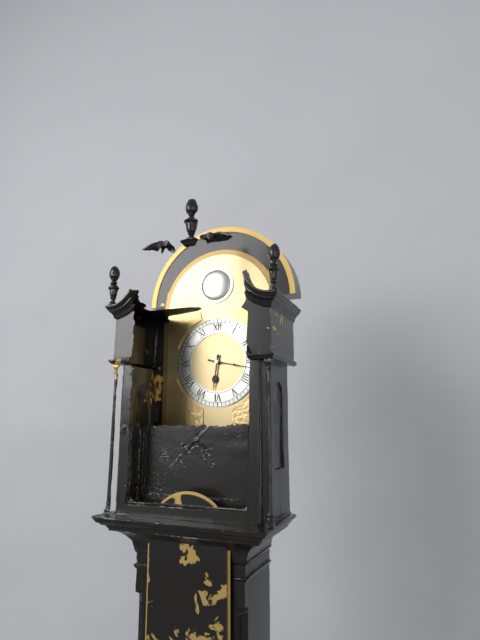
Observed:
{"hour": 6, "minute": 17}
